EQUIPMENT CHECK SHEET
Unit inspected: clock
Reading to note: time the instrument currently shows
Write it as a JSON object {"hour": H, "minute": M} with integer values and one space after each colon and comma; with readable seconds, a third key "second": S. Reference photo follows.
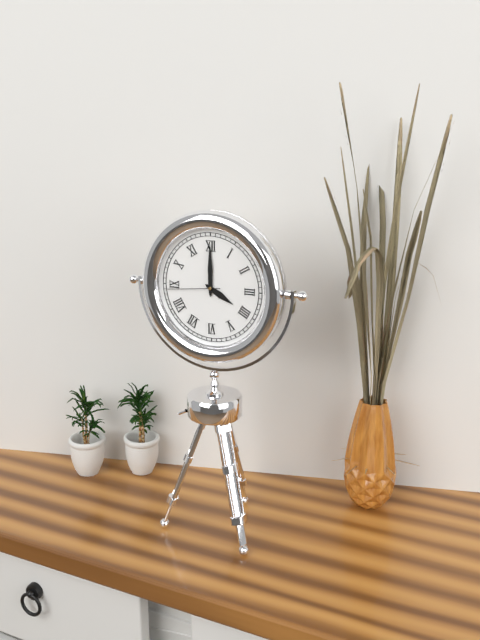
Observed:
{"hour": 4, "minute": 0, "second": 44}
